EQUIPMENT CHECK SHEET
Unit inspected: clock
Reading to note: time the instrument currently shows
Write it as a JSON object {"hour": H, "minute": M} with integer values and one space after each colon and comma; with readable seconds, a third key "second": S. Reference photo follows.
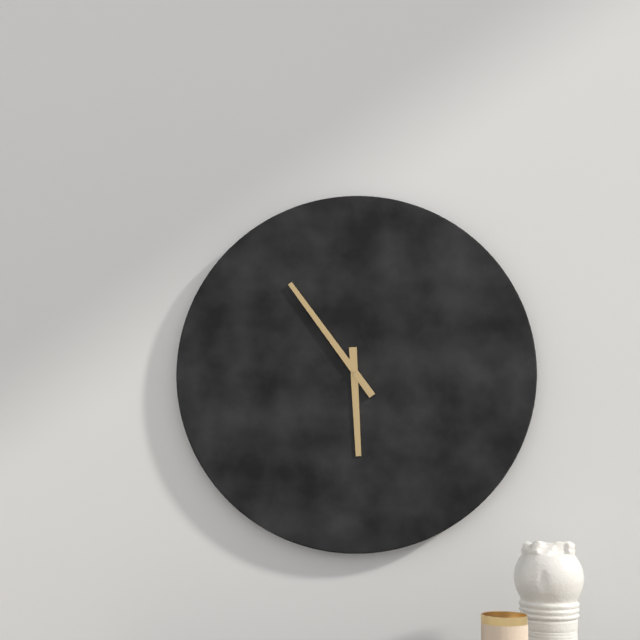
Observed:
{"hour": 5, "minute": 54}
